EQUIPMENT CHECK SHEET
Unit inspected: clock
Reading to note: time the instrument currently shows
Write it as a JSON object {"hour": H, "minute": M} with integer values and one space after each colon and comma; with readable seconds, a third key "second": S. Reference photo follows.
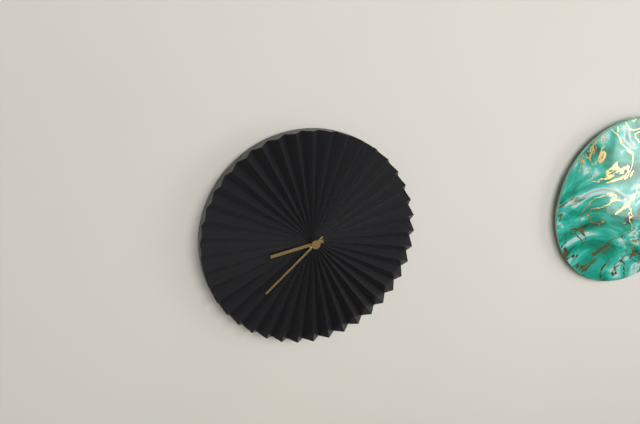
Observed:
{"hour": 8, "minute": 38}
